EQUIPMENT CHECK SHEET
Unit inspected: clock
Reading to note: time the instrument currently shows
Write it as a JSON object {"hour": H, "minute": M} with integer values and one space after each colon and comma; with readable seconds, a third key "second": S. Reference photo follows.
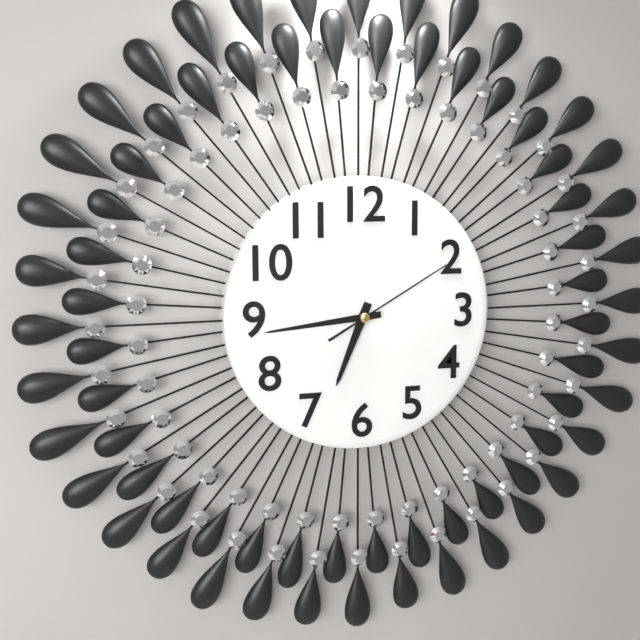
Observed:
{"hour": 6, "minute": 44, "second": 10}
